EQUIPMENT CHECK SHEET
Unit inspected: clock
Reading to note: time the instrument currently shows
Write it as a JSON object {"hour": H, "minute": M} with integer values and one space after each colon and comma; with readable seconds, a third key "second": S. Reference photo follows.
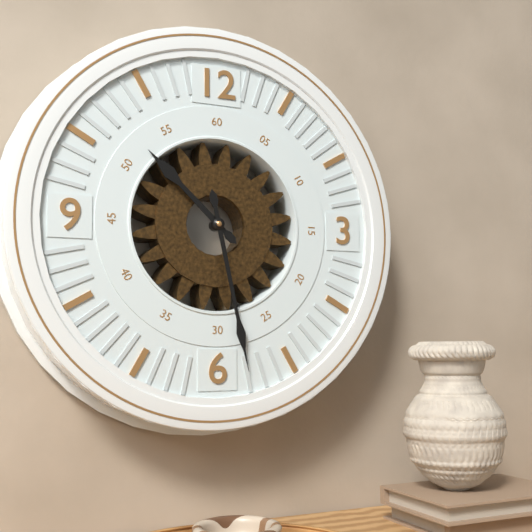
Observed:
{"hour": 10, "minute": 28}
